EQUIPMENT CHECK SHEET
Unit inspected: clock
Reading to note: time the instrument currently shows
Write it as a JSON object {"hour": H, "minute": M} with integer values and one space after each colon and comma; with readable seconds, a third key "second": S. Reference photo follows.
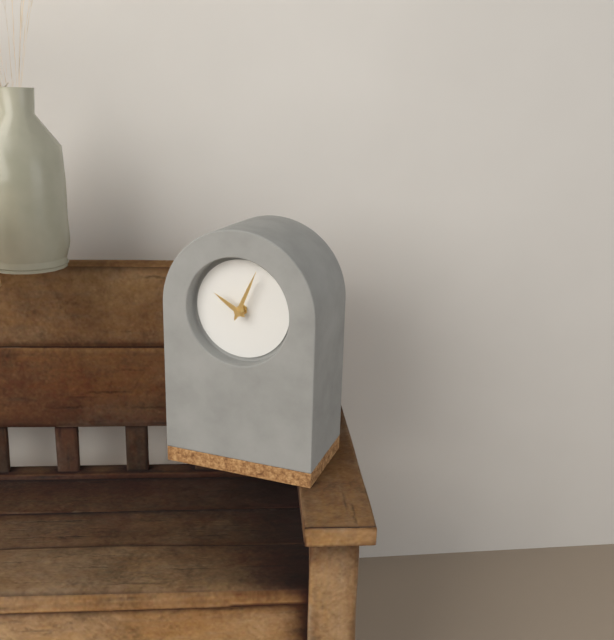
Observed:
{"hour": 10, "minute": 4}
